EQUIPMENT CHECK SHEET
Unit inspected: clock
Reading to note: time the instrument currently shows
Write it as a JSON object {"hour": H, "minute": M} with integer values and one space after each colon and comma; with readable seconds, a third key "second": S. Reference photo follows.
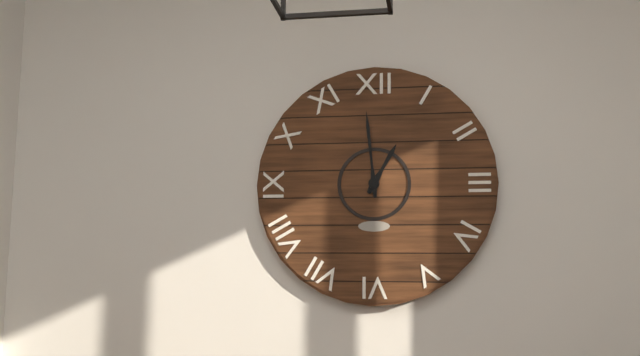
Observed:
{"hour": 12, "minute": 59}
